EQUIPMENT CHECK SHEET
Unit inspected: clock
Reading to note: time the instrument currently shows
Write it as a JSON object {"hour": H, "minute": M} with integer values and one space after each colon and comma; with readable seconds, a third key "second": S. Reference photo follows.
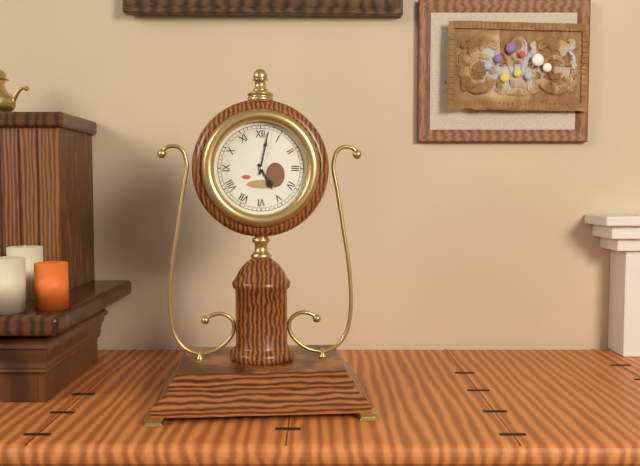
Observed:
{"hour": 5, "minute": 2}
